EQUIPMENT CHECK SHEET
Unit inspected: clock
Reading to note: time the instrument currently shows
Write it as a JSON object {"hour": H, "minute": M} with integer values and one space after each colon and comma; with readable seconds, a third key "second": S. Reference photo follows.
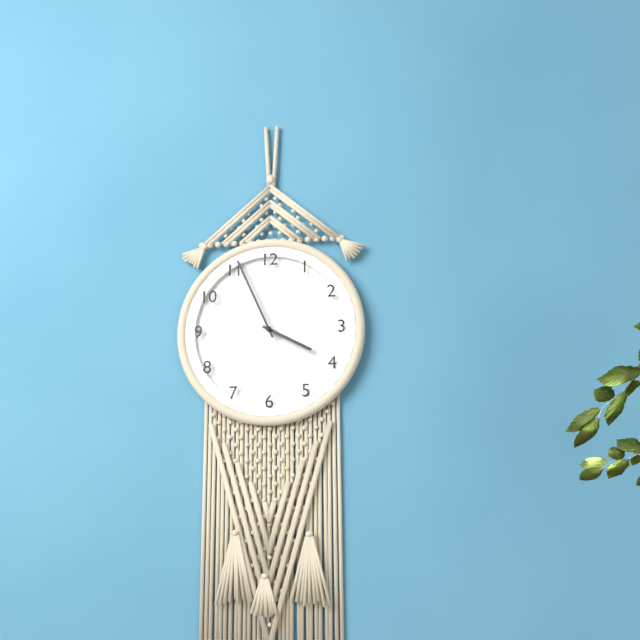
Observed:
{"hour": 3, "minute": 56}
